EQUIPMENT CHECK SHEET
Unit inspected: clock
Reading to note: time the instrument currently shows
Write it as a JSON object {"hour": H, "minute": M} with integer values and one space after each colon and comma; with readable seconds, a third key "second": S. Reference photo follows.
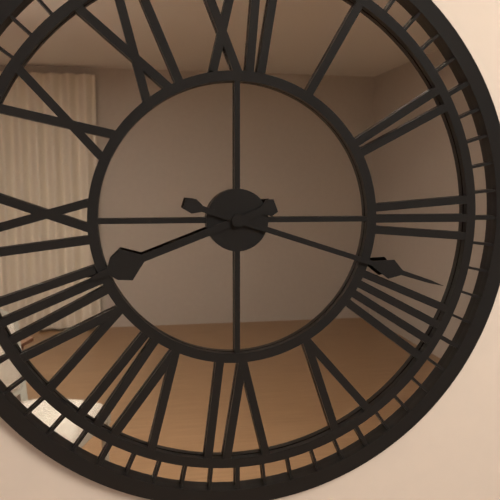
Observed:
{"hour": 8, "minute": 18}
